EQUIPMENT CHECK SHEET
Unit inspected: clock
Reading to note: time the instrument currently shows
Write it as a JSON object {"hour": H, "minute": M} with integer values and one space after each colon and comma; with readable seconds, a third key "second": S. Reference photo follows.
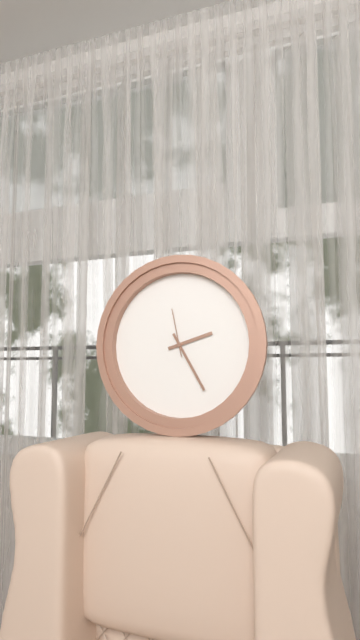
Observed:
{"hour": 2, "minute": 25}
